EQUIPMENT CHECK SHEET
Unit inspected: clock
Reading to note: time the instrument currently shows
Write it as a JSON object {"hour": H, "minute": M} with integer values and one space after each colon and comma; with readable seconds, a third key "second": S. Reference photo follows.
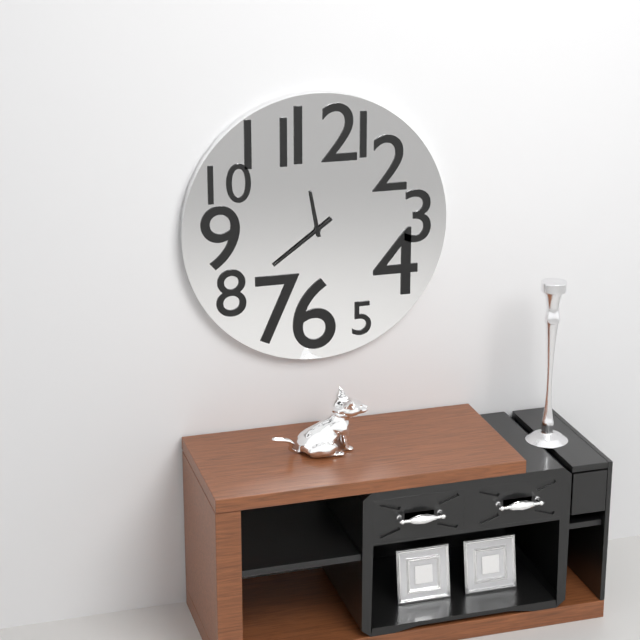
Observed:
{"hour": 11, "minute": 39}
